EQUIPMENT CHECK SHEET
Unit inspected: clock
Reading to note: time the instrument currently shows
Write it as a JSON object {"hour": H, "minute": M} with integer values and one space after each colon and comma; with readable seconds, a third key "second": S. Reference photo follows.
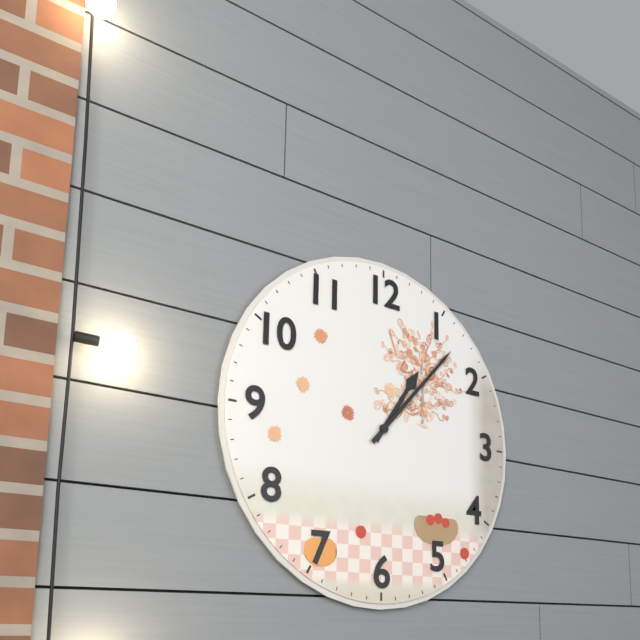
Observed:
{"hour": 1, "minute": 7}
